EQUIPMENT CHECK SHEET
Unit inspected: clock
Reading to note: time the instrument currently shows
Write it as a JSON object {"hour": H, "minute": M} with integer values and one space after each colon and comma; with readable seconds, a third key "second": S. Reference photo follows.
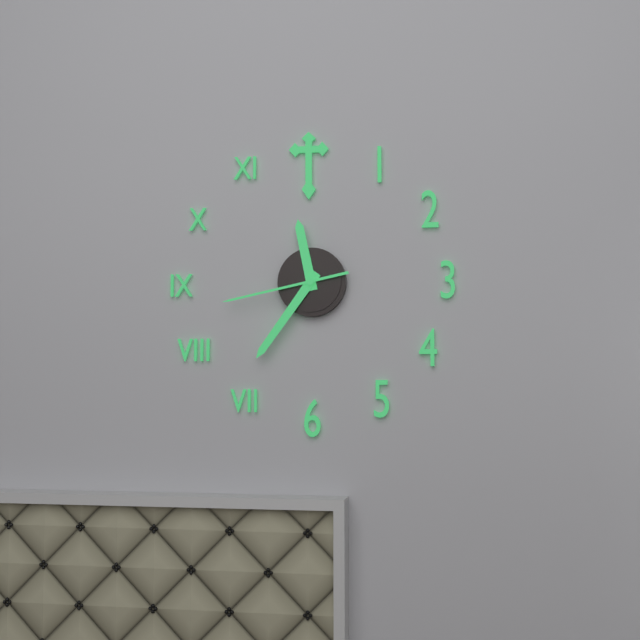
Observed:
{"hour": 11, "minute": 36, "second": 43}
